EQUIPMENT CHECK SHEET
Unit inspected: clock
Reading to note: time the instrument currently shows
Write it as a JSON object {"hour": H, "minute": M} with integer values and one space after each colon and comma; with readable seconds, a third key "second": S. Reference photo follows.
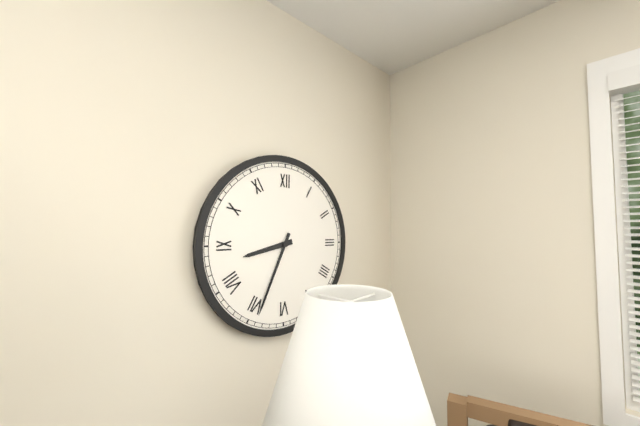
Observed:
{"hour": 8, "minute": 34}
